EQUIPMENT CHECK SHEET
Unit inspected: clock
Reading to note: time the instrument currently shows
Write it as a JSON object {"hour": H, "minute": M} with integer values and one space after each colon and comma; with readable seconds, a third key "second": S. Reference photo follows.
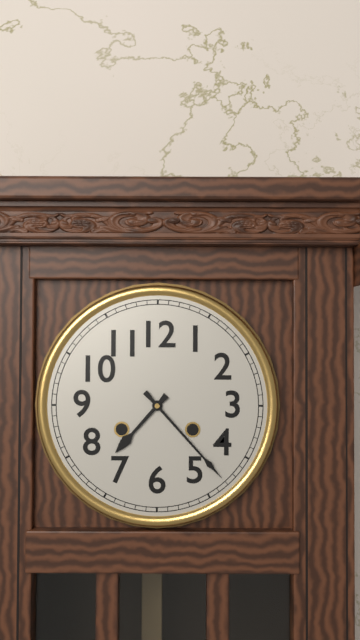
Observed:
{"hour": 7, "minute": 23}
